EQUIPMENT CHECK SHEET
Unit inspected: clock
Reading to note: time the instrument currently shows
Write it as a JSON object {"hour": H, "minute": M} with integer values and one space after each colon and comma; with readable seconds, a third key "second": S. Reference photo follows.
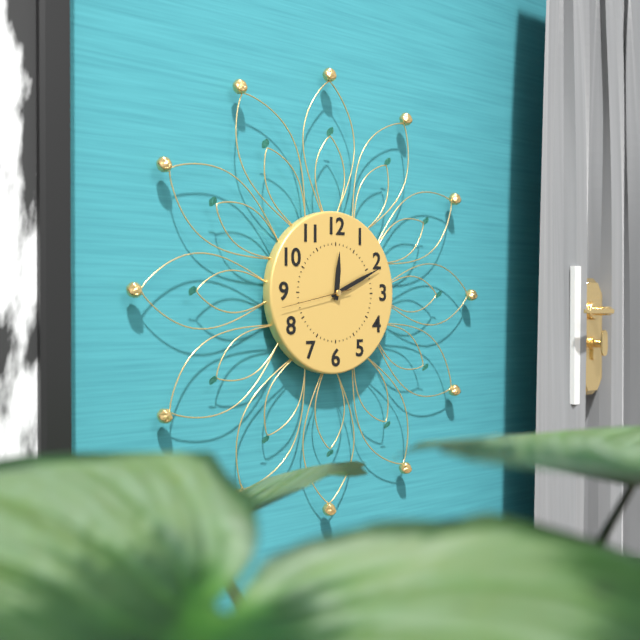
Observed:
{"hour": 12, "minute": 11, "second": 43}
